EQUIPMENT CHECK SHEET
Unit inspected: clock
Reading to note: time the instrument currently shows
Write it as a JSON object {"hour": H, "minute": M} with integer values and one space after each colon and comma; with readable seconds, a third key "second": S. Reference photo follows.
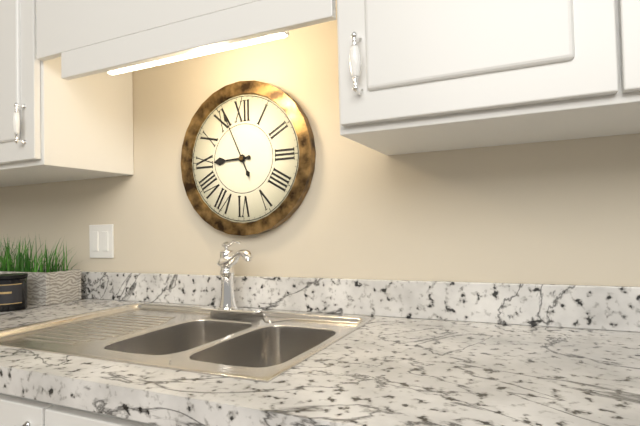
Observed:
{"hour": 8, "minute": 56}
